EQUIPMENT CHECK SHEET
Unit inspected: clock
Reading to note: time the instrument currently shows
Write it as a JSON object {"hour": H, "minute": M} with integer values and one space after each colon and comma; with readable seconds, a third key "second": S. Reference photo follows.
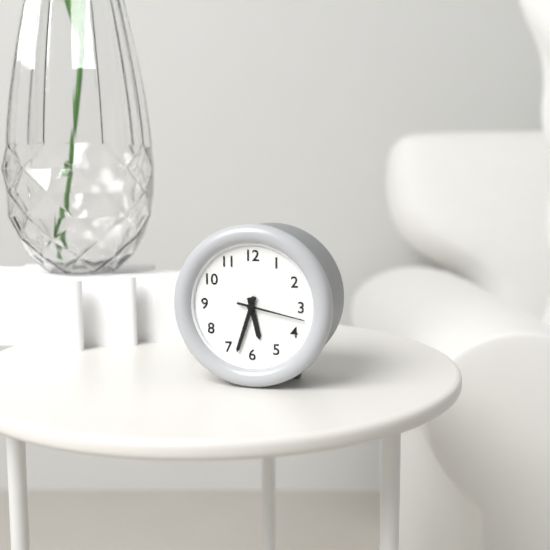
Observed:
{"hour": 5, "minute": 33, "second": 17}
